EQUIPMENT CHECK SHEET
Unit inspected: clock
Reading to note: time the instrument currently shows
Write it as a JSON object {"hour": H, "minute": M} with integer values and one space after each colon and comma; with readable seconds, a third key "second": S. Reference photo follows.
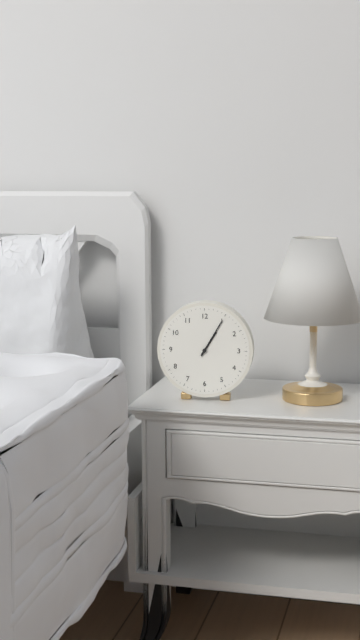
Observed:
{"hour": 1, "minute": 5}
